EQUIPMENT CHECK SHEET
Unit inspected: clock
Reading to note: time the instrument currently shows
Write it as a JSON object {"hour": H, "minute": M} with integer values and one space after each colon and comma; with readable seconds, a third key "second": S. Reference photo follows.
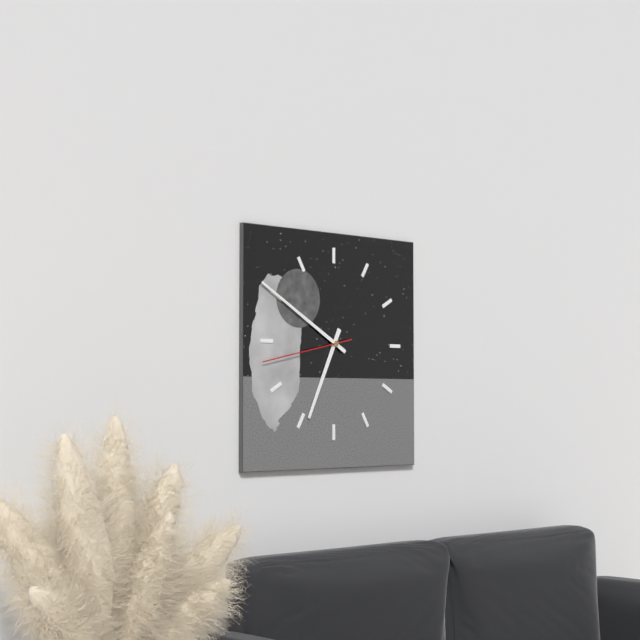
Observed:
{"hour": 6, "minute": 50, "second": 43}
